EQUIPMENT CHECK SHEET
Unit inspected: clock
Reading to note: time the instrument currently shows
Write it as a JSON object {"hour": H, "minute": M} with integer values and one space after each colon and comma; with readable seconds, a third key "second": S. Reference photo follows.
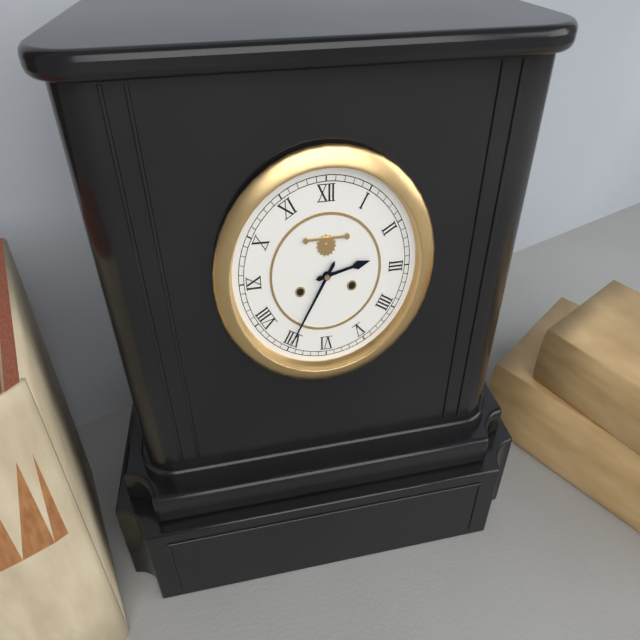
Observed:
{"hour": 2, "minute": 35}
